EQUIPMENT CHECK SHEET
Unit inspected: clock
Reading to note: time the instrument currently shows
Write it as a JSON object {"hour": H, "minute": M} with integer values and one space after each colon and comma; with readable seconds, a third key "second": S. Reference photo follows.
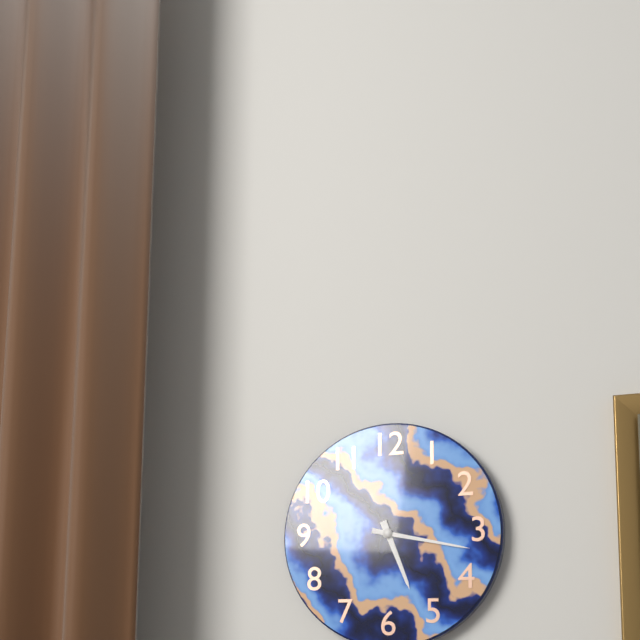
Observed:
{"hour": 5, "minute": 17}
